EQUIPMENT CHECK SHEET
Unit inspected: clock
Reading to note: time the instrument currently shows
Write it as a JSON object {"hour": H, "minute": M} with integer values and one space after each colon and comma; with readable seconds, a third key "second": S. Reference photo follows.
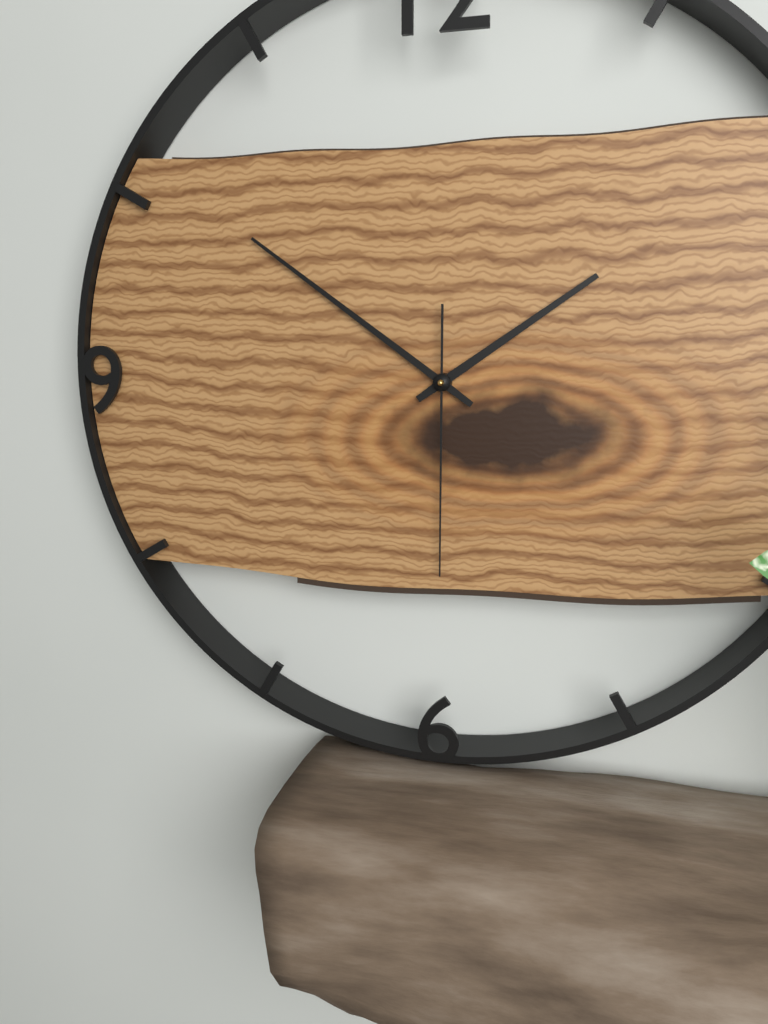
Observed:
{"hour": 1, "minute": 51, "second": 30}
